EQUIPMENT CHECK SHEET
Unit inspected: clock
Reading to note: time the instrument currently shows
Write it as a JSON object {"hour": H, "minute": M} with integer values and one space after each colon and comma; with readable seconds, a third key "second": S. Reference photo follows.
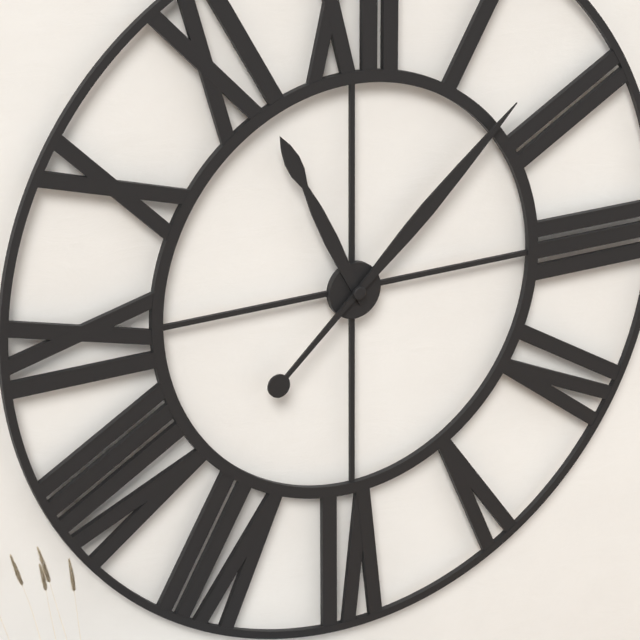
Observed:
{"hour": 11, "minute": 8}
